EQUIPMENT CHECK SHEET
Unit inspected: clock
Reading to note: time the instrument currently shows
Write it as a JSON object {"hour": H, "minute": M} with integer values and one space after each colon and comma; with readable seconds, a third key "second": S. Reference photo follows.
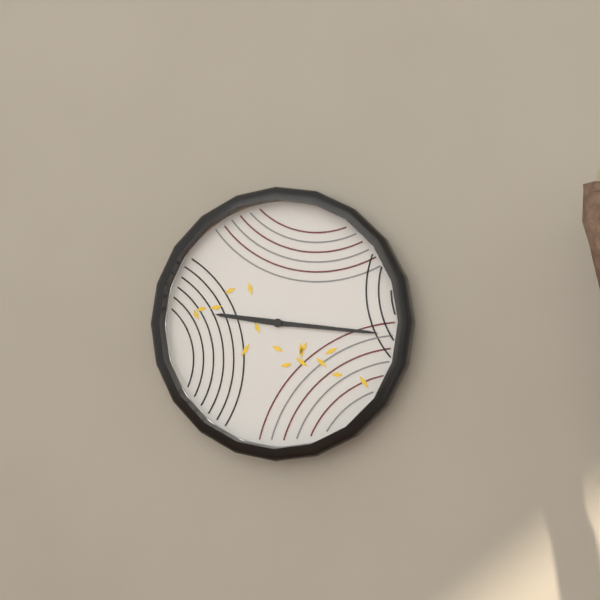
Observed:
{"hour": 9, "minute": 16}
